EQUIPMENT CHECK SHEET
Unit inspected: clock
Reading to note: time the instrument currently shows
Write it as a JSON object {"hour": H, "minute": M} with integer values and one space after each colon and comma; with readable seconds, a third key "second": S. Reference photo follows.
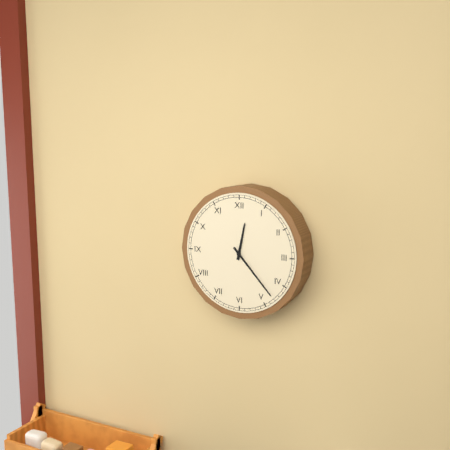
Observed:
{"hour": 12, "minute": 23}
